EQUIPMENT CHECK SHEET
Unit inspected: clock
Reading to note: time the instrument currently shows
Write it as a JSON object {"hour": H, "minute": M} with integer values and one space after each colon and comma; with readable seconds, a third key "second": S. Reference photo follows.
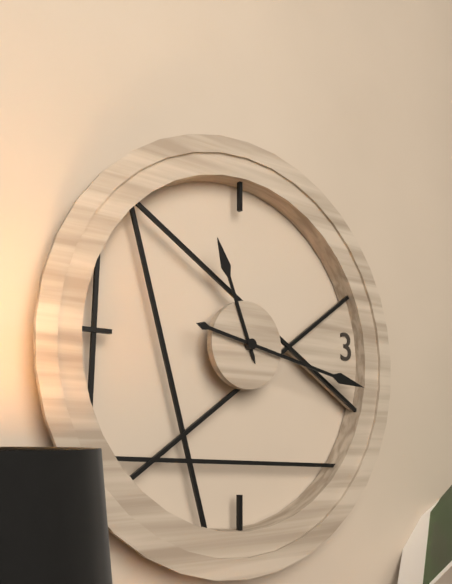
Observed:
{"hour": 11, "minute": 17}
